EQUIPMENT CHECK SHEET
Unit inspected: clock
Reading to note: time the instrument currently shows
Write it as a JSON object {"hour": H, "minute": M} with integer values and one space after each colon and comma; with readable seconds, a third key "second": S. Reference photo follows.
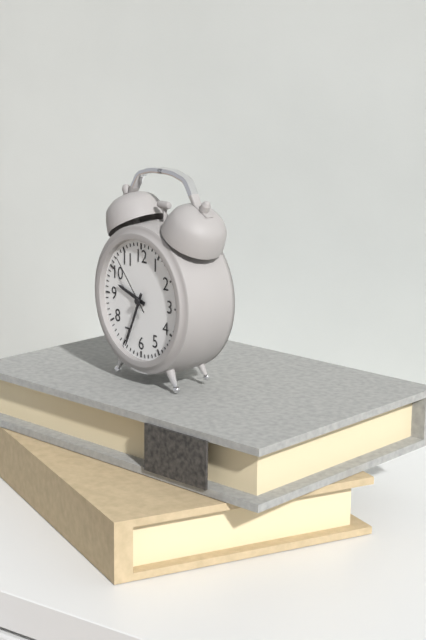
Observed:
{"hour": 9, "minute": 34, "second": 53}
